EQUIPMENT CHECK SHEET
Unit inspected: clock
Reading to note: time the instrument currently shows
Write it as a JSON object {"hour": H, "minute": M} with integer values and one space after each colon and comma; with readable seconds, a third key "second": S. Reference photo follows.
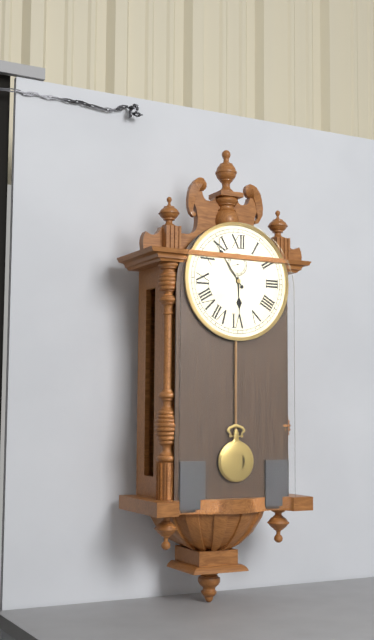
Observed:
{"hour": 5, "minute": 54}
